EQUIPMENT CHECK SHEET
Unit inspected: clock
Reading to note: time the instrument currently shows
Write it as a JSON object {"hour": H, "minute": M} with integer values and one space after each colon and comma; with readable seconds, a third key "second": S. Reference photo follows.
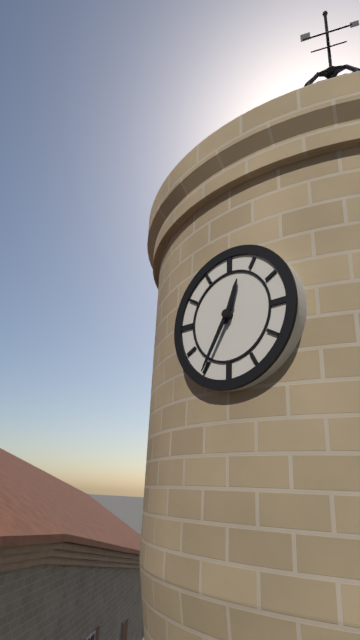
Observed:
{"hour": 12, "minute": 35}
